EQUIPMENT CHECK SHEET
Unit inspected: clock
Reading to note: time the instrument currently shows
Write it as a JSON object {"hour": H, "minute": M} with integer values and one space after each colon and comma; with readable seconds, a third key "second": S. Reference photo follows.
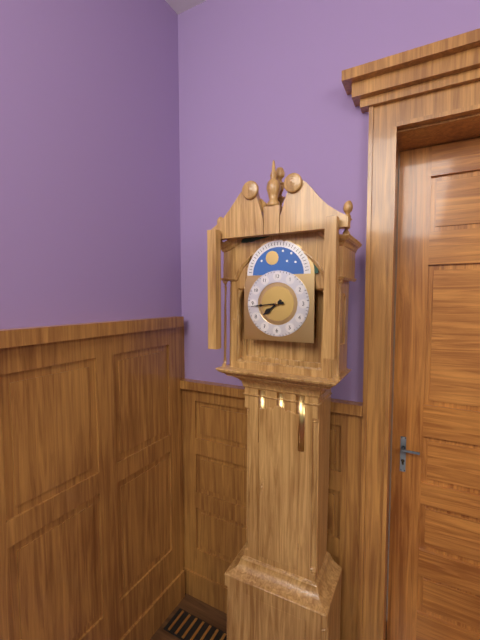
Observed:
{"hour": 7, "minute": 44}
